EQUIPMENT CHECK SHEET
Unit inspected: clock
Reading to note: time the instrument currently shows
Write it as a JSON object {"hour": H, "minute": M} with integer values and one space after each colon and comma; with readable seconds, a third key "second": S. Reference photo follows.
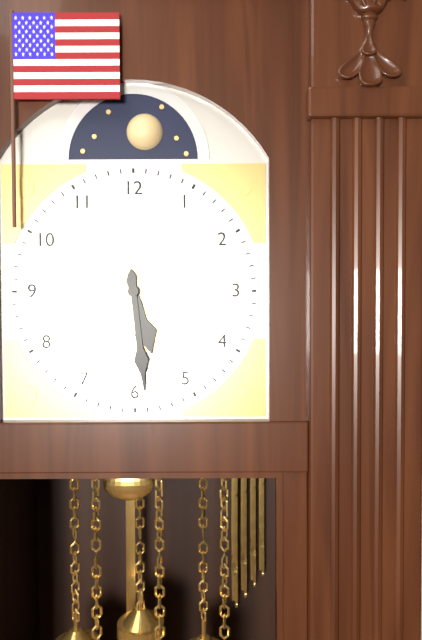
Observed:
{"hour": 5, "minute": 29}
